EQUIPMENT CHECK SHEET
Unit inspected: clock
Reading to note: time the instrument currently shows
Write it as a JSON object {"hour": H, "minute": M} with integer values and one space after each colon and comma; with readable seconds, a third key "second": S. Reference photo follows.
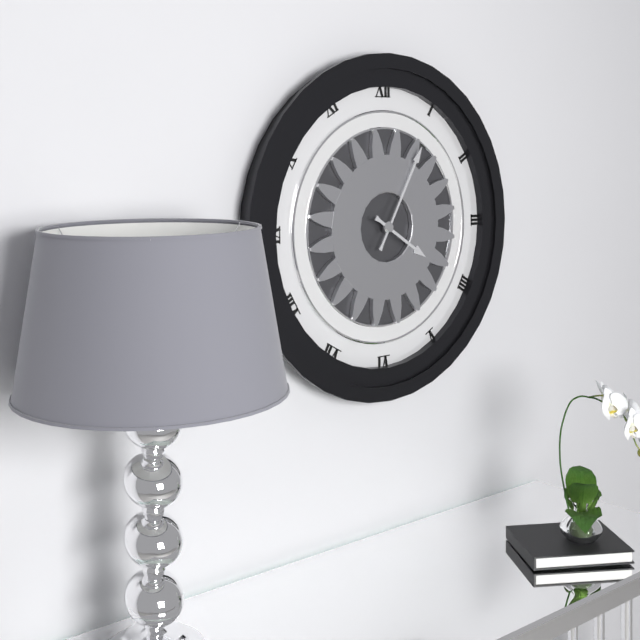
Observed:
{"hour": 4, "minute": 5}
